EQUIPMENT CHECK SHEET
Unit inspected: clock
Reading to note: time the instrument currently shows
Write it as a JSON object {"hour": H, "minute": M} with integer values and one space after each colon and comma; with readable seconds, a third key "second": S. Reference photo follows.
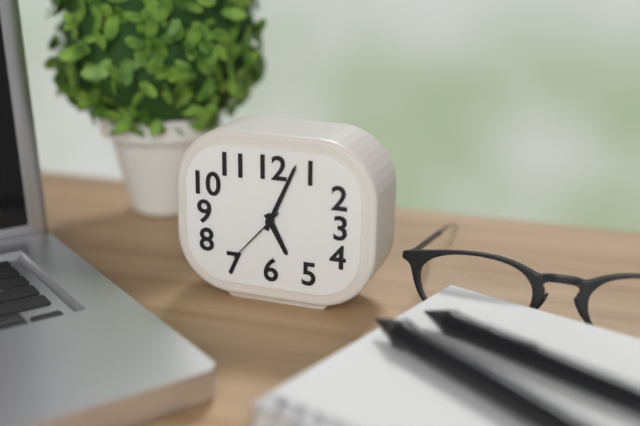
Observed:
{"hour": 5, "minute": 4, "second": 37}
